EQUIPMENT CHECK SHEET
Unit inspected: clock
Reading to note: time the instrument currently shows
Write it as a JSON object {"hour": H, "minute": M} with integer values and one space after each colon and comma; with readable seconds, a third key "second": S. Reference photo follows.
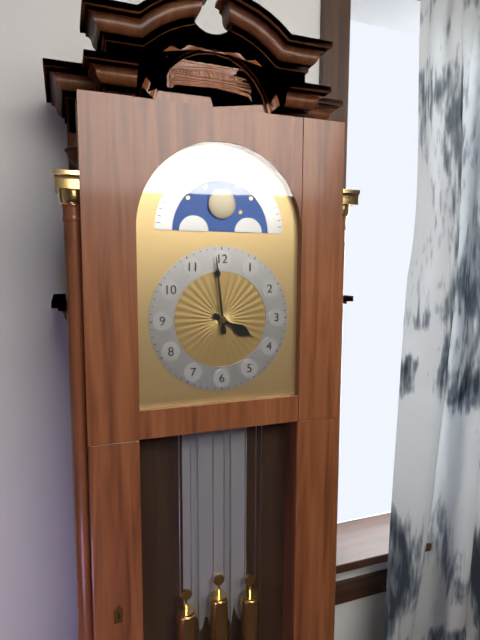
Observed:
{"hour": 3, "minute": 59}
